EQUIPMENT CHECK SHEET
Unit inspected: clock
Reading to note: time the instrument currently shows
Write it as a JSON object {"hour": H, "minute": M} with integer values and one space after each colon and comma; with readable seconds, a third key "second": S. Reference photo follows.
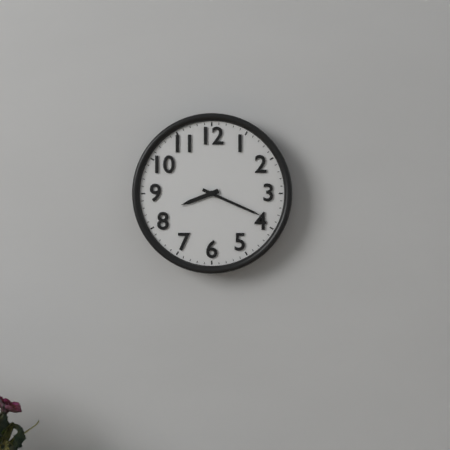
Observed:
{"hour": 8, "minute": 19}
